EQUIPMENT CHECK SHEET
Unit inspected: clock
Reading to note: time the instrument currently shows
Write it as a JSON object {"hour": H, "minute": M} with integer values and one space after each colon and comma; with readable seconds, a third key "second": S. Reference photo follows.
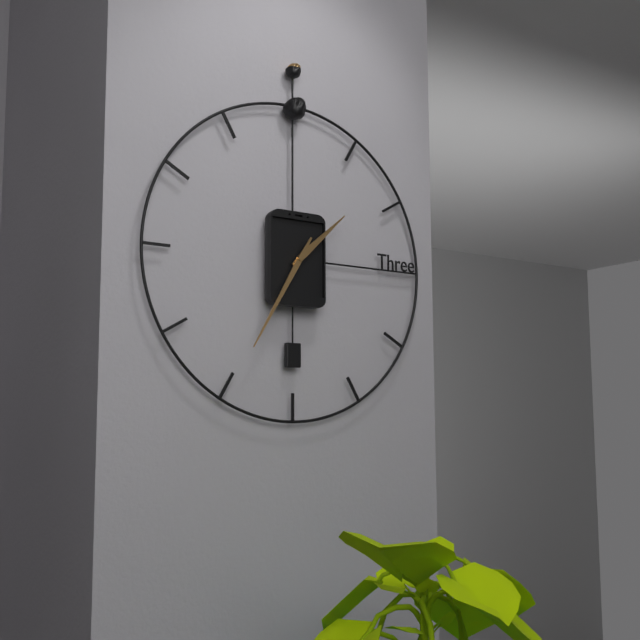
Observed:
{"hour": 1, "minute": 35}
